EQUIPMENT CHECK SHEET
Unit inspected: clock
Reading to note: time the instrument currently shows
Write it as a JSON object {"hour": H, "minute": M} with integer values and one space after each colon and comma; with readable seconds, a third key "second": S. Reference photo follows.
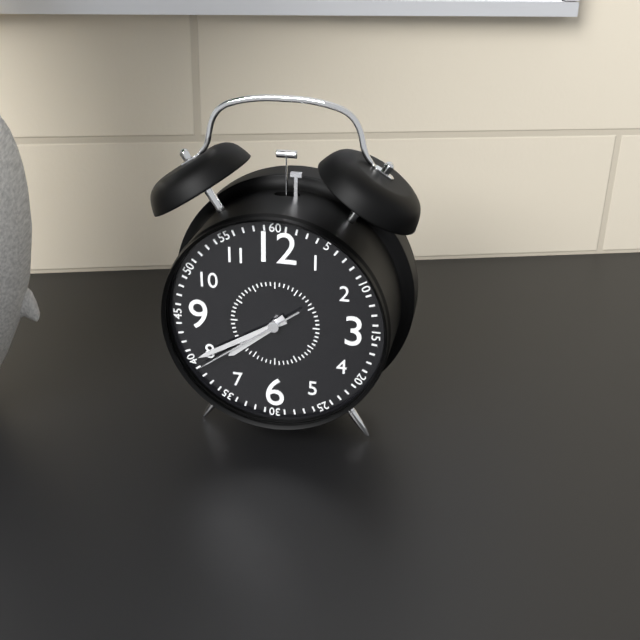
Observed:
{"hour": 7, "minute": 40, "second": 39}
